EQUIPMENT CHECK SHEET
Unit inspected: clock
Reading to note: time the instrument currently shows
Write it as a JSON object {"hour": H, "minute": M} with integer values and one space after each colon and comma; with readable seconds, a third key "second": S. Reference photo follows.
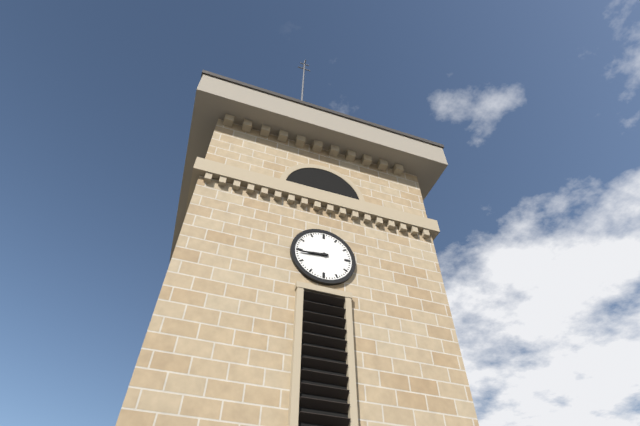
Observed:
{"hour": 8, "minute": 44}
